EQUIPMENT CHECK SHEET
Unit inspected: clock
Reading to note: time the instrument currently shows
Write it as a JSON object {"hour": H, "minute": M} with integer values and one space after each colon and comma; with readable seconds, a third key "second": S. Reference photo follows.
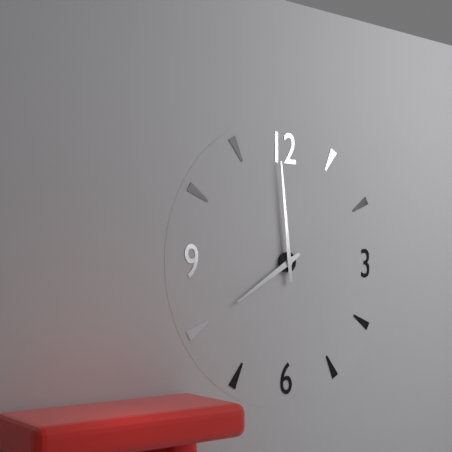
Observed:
{"hour": 7, "minute": 59}
